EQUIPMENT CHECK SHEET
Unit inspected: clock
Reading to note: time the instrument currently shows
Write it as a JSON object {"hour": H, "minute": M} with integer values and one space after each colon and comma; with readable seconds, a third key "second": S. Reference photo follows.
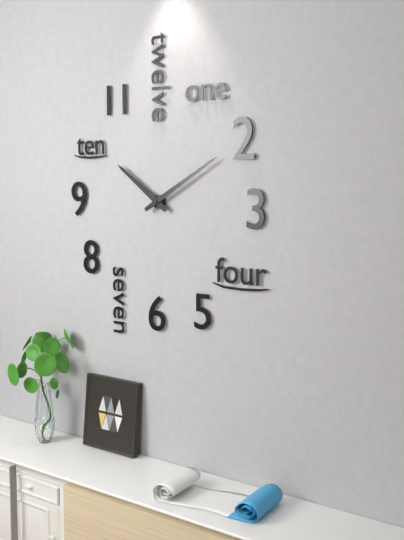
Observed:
{"hour": 10, "minute": 10}
